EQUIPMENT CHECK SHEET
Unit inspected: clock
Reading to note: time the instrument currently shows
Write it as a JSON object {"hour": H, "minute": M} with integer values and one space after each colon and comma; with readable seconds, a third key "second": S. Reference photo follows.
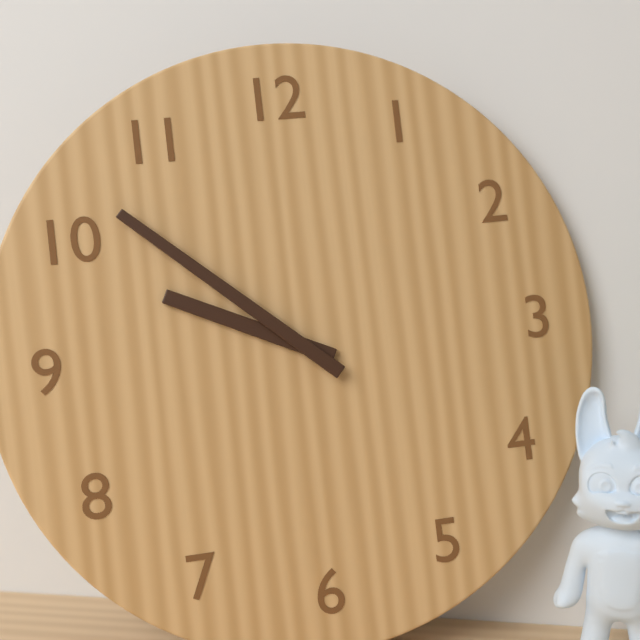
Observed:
{"hour": 9, "minute": 52}
